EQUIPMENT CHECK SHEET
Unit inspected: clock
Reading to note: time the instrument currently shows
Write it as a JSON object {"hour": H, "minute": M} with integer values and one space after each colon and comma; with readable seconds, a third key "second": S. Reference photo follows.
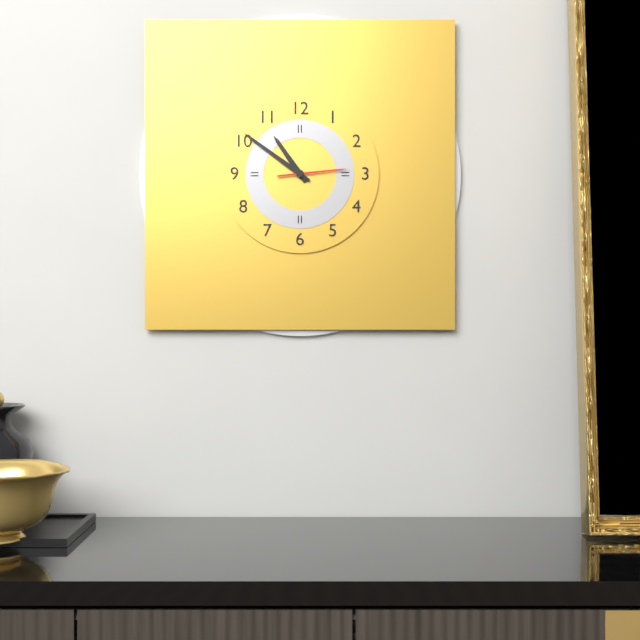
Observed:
{"hour": 10, "minute": 51, "second": 14}
